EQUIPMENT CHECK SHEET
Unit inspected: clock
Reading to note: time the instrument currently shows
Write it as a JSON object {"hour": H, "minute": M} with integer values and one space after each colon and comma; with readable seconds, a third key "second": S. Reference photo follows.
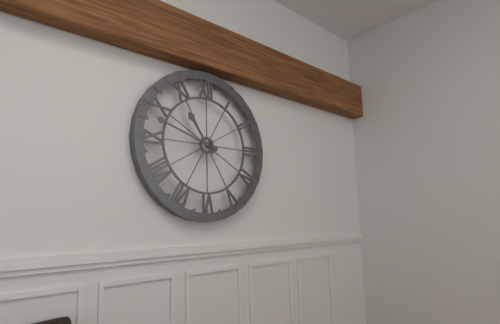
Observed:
{"hour": 10, "minute": 48}
